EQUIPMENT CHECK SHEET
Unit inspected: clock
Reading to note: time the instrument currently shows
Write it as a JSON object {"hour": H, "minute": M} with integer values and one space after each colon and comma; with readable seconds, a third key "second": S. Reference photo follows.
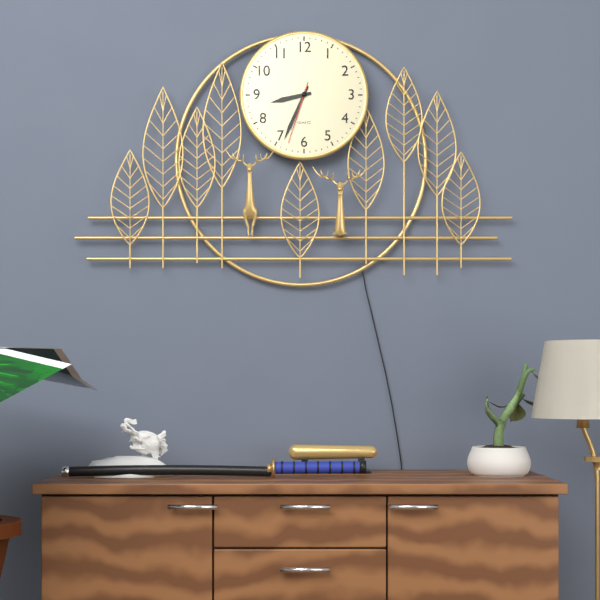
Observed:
{"hour": 8, "minute": 34, "second": 33}
